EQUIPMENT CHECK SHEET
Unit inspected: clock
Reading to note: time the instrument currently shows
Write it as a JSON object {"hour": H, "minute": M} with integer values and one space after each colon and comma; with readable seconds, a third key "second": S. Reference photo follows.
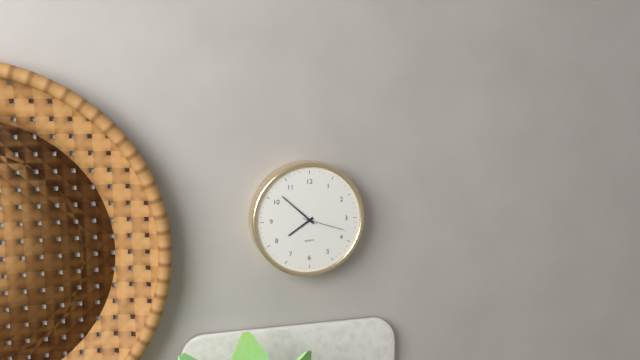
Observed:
{"hour": 7, "minute": 52}
